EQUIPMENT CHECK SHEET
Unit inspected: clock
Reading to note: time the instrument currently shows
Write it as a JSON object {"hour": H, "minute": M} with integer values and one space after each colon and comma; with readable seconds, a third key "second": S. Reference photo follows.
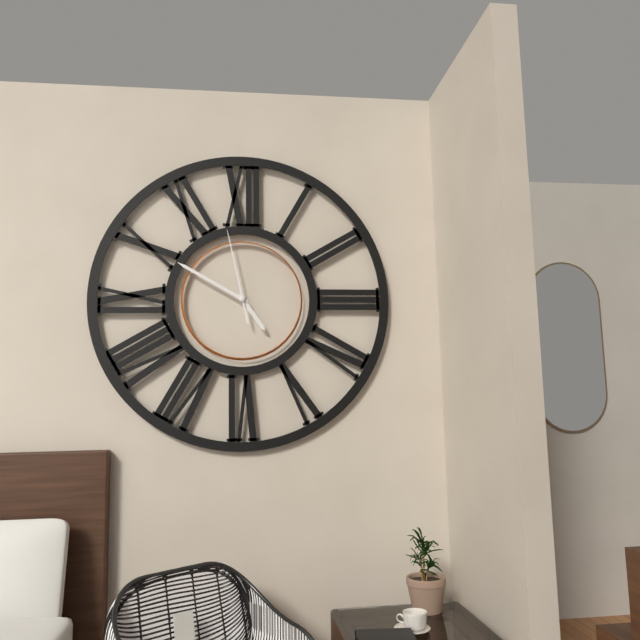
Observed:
{"hour": 4, "minute": 50, "second": 58}
